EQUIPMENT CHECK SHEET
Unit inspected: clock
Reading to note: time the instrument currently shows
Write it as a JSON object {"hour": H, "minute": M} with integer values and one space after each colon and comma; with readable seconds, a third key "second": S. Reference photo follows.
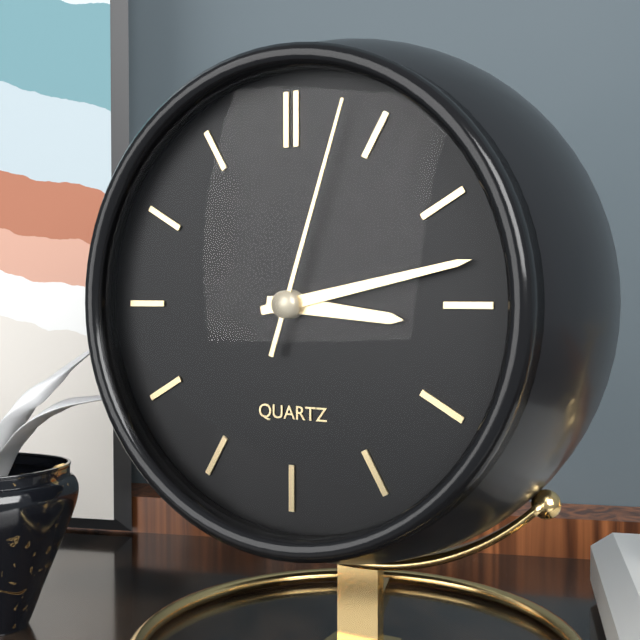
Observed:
{"hour": 3, "minute": 13, "second": 3}
